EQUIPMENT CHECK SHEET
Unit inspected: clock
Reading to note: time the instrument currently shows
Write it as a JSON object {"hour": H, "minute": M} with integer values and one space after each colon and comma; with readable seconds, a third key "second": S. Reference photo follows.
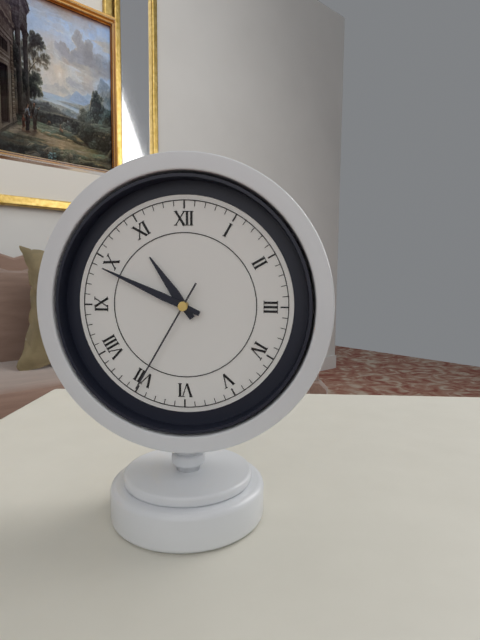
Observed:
{"hour": 10, "minute": 49, "second": 35}
